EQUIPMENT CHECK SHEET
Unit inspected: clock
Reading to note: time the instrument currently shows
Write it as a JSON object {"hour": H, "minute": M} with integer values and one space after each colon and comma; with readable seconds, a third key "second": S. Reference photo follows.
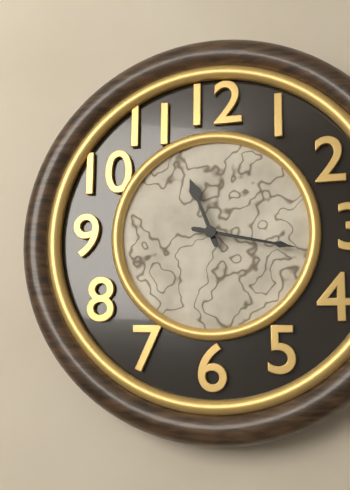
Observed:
{"hour": 11, "minute": 17}
